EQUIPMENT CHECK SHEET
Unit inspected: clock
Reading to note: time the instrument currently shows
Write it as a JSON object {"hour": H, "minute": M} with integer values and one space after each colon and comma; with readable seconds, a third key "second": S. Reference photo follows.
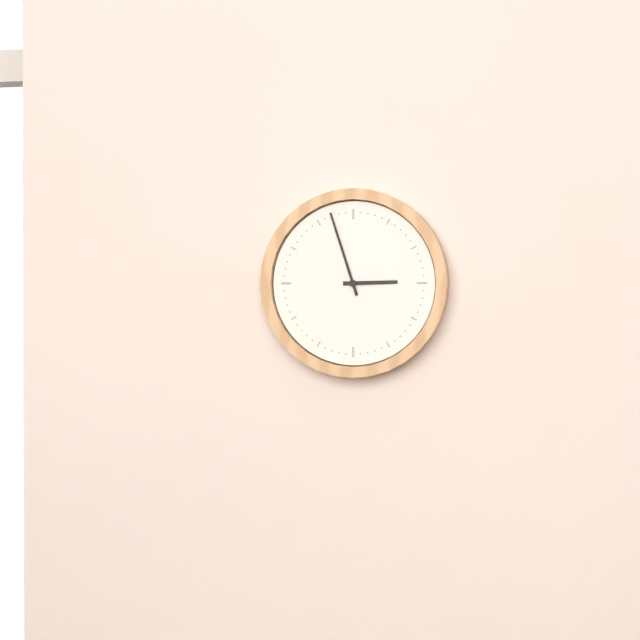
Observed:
{"hour": 2, "minute": 57}
